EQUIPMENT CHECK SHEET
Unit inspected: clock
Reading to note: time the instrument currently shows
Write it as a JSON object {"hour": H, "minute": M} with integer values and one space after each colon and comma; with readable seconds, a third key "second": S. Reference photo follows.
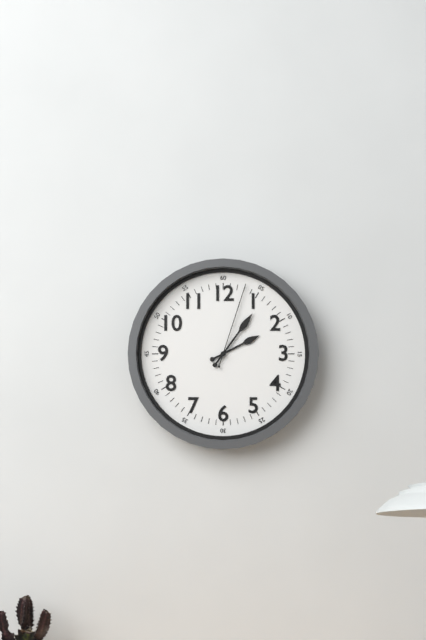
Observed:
{"hour": 2, "minute": 6, "second": 3}
